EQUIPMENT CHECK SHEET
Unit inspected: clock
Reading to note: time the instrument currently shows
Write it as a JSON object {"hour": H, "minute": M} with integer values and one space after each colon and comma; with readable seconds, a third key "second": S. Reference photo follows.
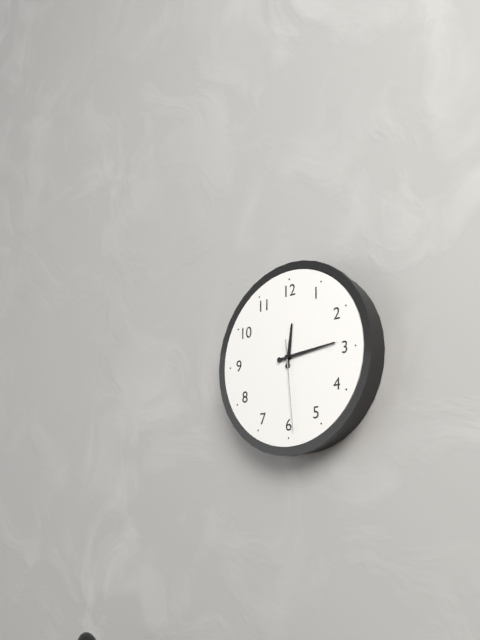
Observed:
{"hour": 12, "minute": 14, "second": 29}
